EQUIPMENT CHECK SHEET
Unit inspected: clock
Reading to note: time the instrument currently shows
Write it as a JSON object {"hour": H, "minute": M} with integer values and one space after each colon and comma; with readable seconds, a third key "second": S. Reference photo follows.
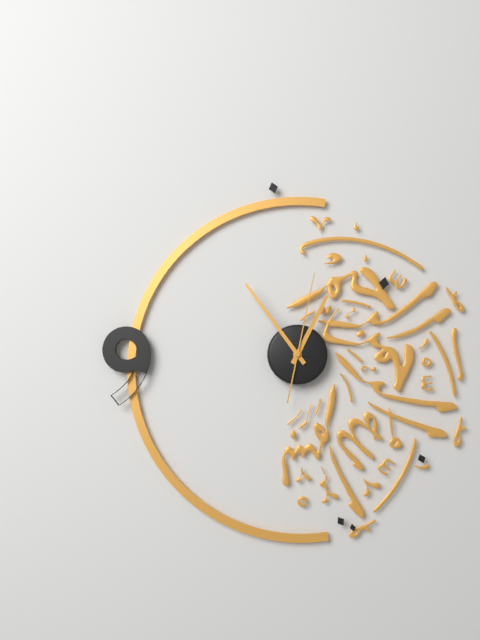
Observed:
{"hour": 12, "minute": 54, "second": 2}
